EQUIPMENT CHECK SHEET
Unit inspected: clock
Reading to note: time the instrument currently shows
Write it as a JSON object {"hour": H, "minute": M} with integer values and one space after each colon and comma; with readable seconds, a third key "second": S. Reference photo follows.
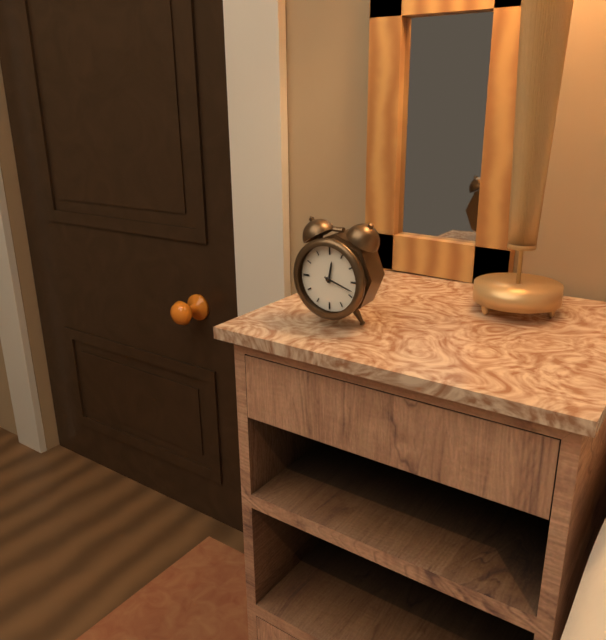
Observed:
{"hour": 12, "minute": 18}
